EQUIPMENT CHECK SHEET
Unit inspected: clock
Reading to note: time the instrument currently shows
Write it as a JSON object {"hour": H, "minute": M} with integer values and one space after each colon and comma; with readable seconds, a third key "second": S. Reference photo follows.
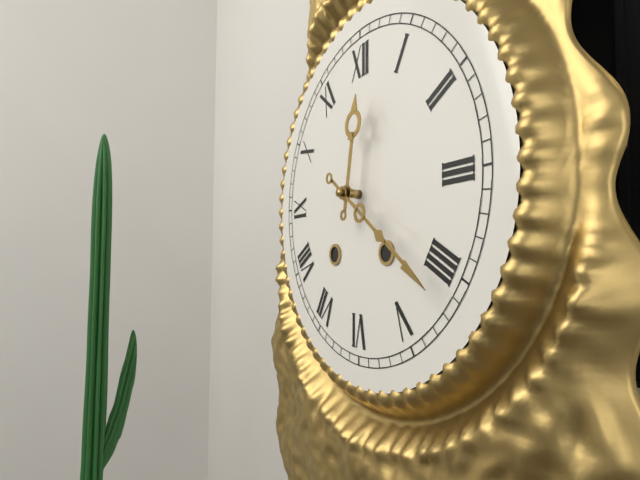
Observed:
{"hour": 12, "minute": 21}
